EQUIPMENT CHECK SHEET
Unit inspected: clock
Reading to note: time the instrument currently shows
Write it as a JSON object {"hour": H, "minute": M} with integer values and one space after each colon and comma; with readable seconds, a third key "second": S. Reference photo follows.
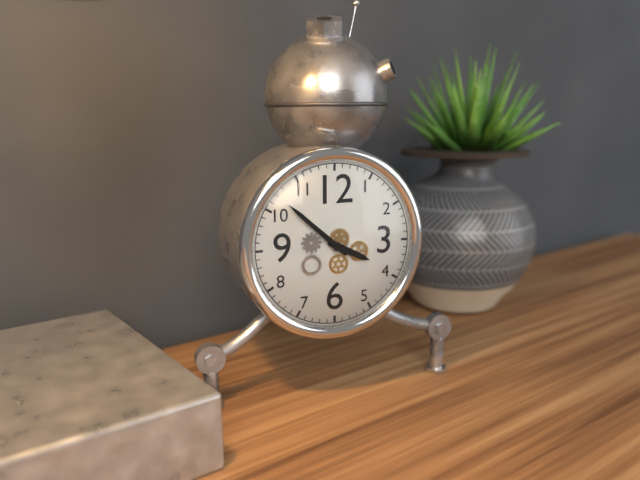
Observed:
{"hour": 3, "minute": 52}
